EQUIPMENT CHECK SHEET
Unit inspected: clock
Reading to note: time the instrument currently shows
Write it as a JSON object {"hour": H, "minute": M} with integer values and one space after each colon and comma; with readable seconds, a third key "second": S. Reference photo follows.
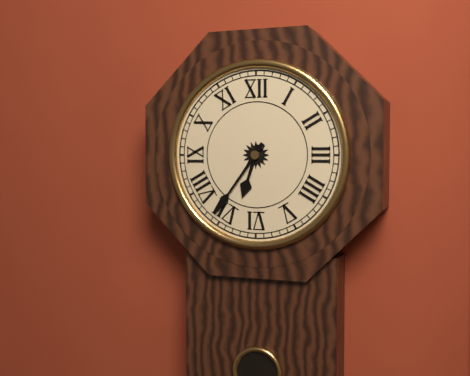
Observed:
{"hour": 6, "minute": 36}
